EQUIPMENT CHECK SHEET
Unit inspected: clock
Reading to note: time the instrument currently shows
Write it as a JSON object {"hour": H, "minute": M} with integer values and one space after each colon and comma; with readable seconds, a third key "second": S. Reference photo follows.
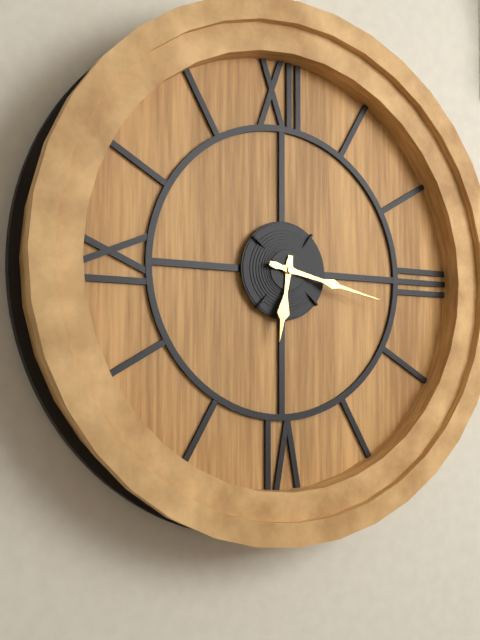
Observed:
{"hour": 6, "minute": 17}
